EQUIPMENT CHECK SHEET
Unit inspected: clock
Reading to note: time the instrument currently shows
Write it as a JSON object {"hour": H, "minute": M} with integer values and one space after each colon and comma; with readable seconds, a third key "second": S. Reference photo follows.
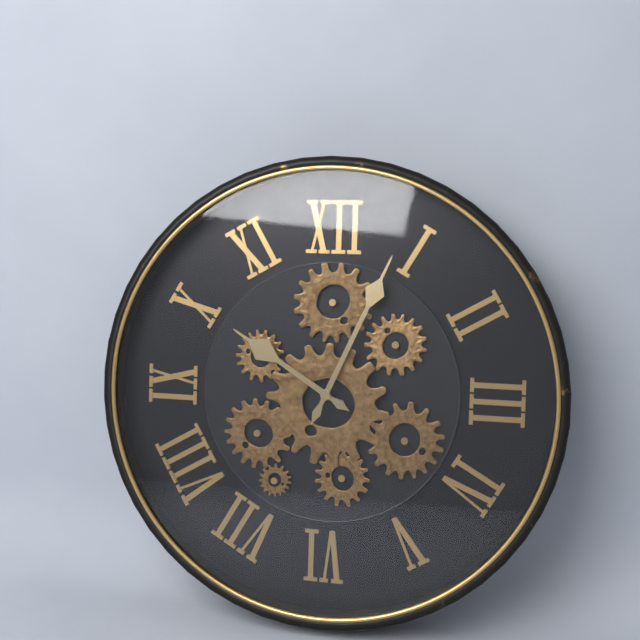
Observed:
{"hour": 10, "minute": 4}
